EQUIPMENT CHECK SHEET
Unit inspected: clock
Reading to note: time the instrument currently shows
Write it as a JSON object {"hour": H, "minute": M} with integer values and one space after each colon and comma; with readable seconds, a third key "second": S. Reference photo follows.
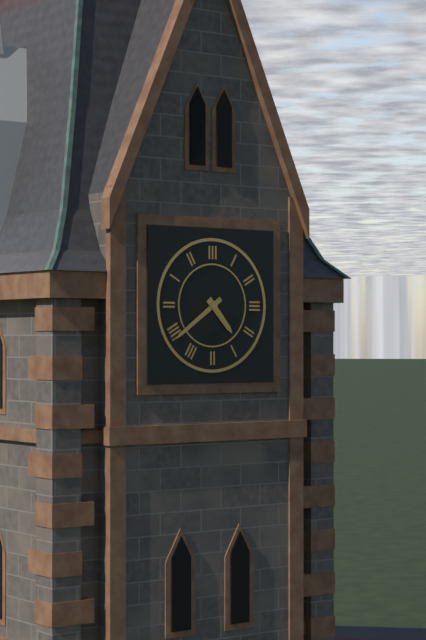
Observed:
{"hour": 4, "minute": 39}
